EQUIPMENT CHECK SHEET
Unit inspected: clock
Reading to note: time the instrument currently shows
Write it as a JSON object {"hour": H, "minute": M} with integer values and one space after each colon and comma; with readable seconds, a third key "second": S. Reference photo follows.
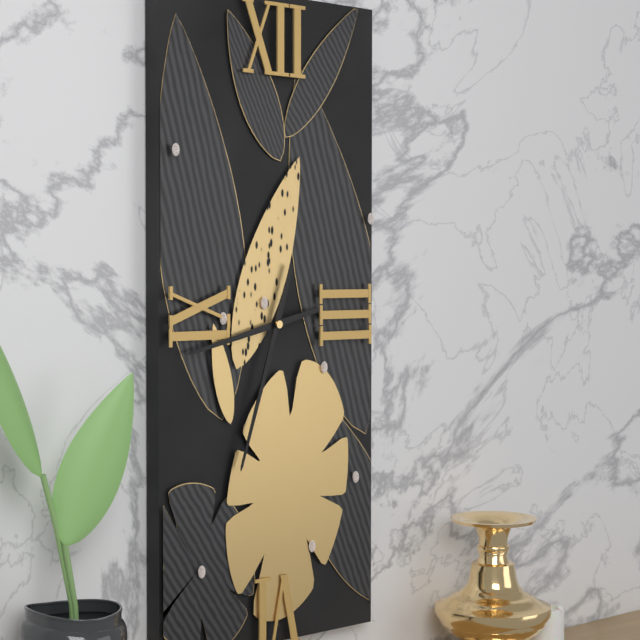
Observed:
{"hour": 8, "minute": 33}
